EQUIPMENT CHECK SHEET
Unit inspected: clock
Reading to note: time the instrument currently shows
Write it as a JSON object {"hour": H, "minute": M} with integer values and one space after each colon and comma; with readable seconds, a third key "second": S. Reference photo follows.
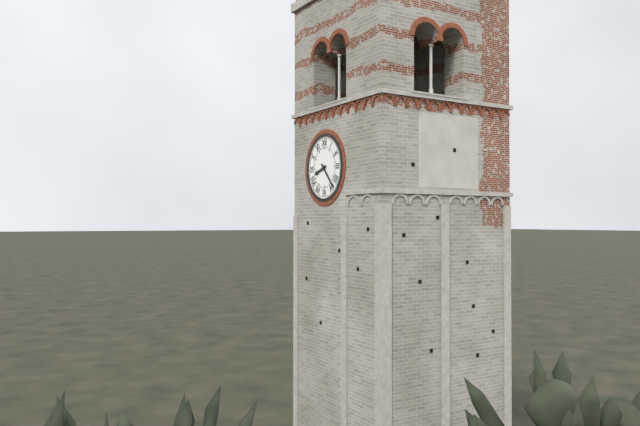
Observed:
{"hour": 8, "minute": 23}
